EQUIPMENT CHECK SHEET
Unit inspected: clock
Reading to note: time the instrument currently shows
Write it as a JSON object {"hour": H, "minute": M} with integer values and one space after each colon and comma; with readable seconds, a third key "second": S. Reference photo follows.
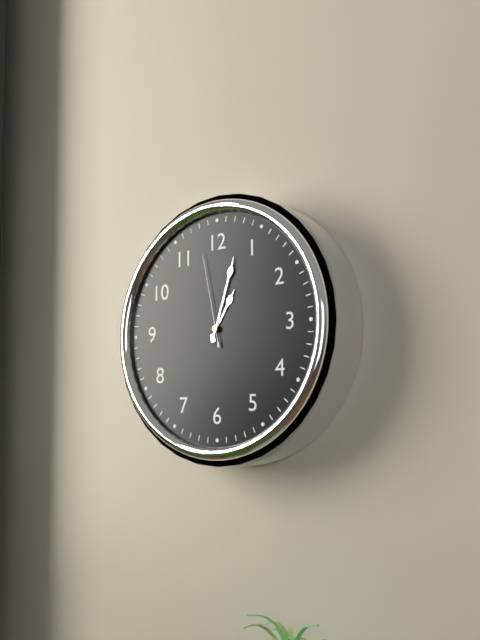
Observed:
{"hour": 1, "minute": 3, "second": 58}
